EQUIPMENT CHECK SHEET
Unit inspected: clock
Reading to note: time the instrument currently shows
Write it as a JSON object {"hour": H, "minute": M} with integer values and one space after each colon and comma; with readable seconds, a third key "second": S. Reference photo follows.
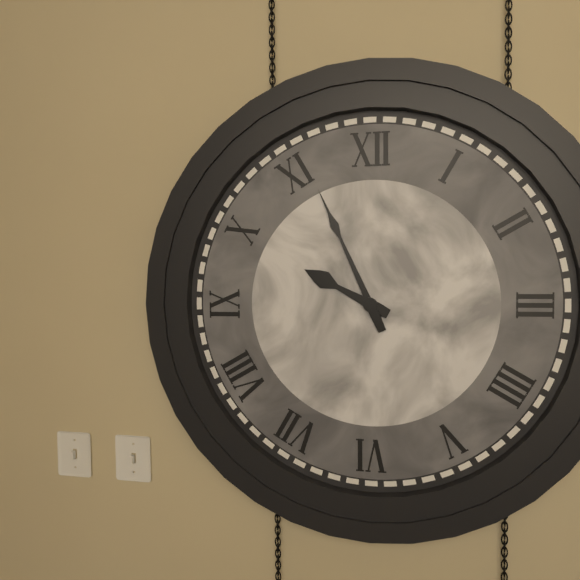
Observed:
{"hour": 9, "minute": 56}
